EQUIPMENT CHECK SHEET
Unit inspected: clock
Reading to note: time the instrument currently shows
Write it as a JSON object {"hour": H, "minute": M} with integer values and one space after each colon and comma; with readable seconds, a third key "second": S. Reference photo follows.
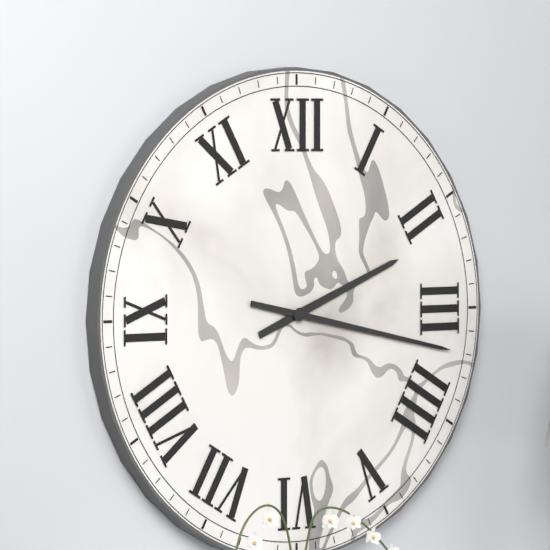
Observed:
{"hour": 2, "minute": 17}
